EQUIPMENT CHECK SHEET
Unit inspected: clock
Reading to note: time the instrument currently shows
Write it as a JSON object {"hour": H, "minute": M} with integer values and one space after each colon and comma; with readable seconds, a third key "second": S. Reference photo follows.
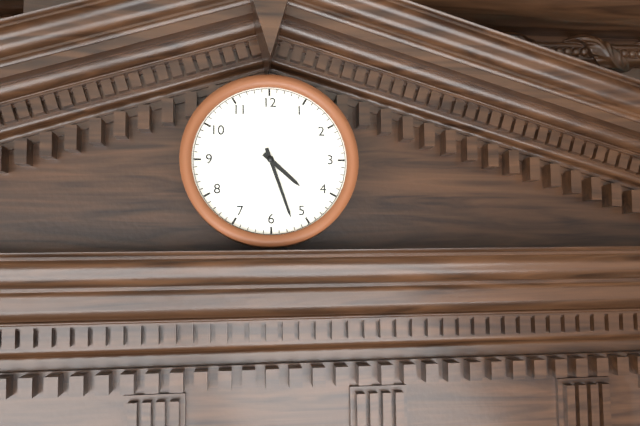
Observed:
{"hour": 4, "minute": 27}
